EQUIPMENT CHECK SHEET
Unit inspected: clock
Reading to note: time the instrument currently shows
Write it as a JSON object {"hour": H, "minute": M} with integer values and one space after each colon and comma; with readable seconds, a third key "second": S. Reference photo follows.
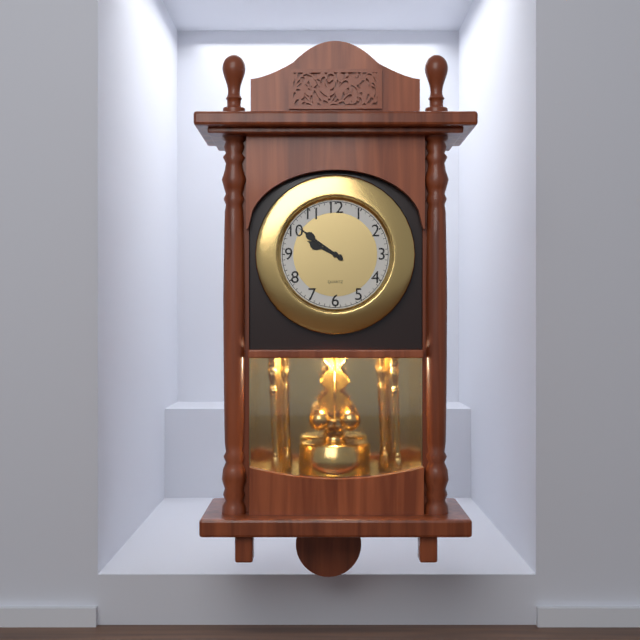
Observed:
{"hour": 9, "minute": 51}
